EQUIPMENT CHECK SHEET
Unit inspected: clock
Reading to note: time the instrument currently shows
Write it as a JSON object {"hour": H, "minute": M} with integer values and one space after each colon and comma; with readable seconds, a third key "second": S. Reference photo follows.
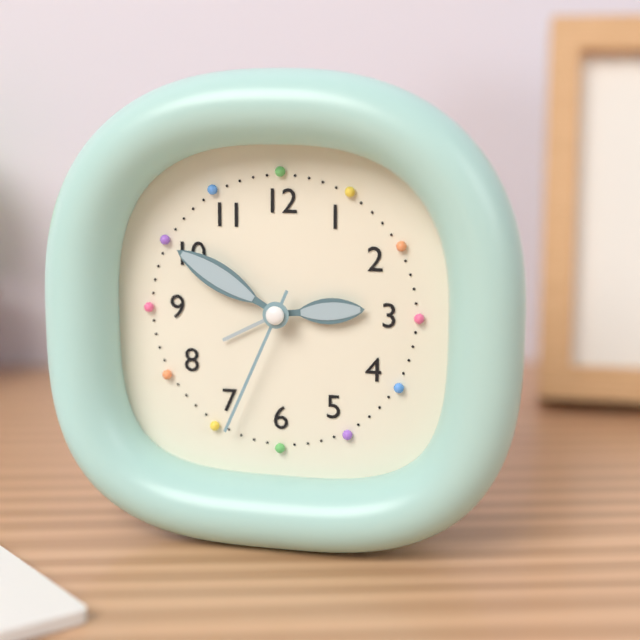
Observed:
{"hour": 2, "minute": 50, "second": 34}
